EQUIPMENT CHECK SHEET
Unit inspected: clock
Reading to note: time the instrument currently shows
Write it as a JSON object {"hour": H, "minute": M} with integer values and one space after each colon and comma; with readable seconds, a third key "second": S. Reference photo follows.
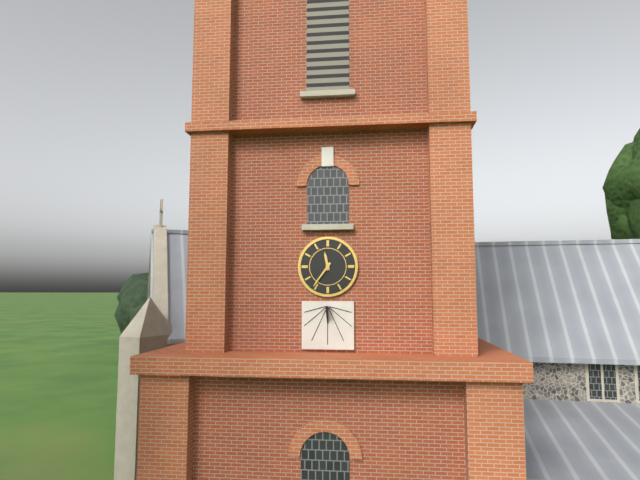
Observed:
{"hour": 11, "minute": 36}
